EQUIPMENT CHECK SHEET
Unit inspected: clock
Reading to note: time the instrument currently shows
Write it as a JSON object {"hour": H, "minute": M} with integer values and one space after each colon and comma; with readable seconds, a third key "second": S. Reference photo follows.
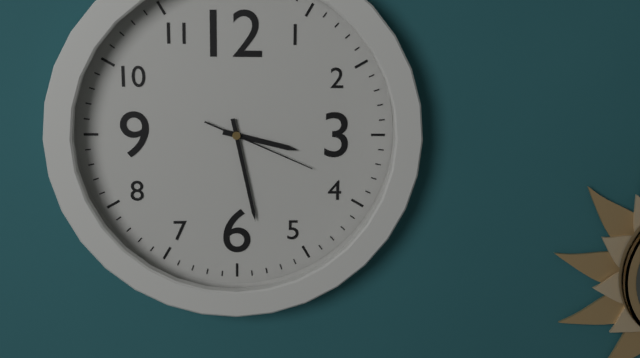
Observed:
{"hour": 3, "minute": 28, "second": 19}
